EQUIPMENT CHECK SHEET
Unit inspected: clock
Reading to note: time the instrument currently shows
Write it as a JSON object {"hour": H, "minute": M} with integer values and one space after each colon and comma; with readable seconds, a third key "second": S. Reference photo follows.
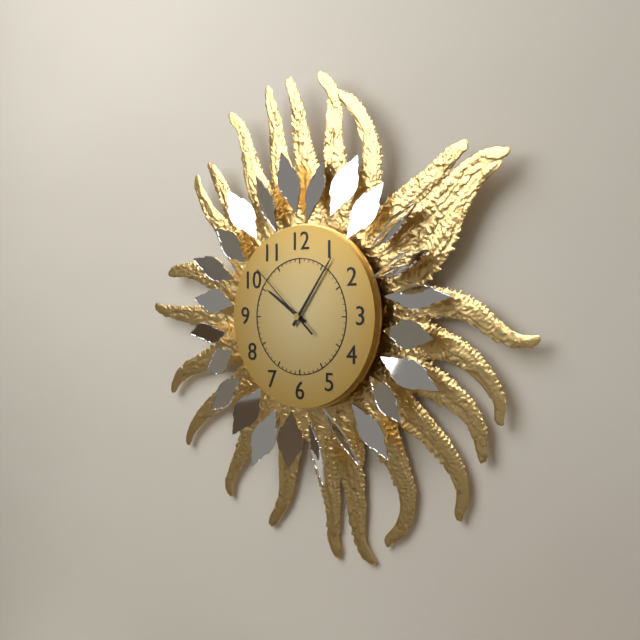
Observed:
{"hour": 10, "minute": 6, "second": 52}
